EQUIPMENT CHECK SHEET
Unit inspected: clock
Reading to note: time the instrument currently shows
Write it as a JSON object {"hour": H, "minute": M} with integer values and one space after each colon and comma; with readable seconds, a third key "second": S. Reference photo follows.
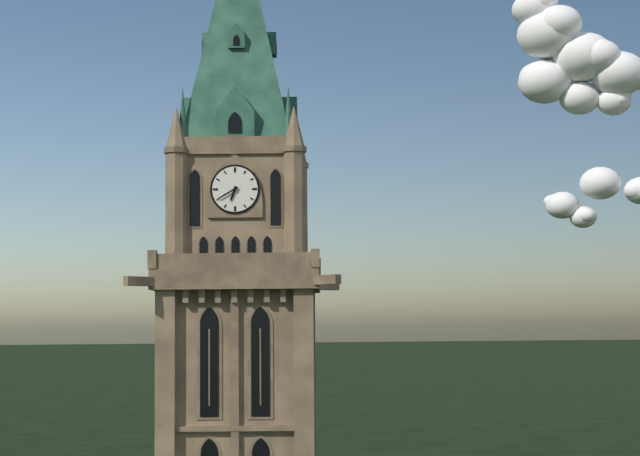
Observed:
{"hour": 6, "minute": 40}
